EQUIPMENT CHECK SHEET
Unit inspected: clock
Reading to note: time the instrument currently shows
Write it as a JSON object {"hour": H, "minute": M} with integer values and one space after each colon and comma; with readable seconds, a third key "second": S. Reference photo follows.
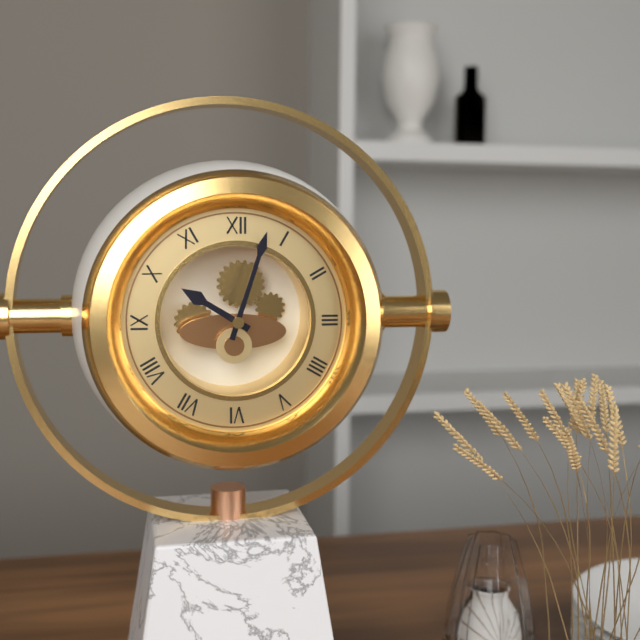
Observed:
{"hour": 10, "minute": 3}
